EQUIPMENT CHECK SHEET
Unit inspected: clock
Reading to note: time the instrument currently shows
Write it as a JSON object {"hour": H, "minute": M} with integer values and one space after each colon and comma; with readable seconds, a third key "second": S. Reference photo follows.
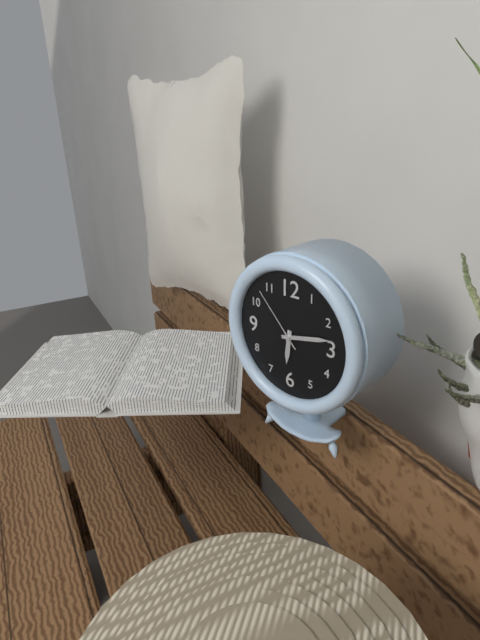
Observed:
{"hour": 6, "minute": 13, "second": 53}
